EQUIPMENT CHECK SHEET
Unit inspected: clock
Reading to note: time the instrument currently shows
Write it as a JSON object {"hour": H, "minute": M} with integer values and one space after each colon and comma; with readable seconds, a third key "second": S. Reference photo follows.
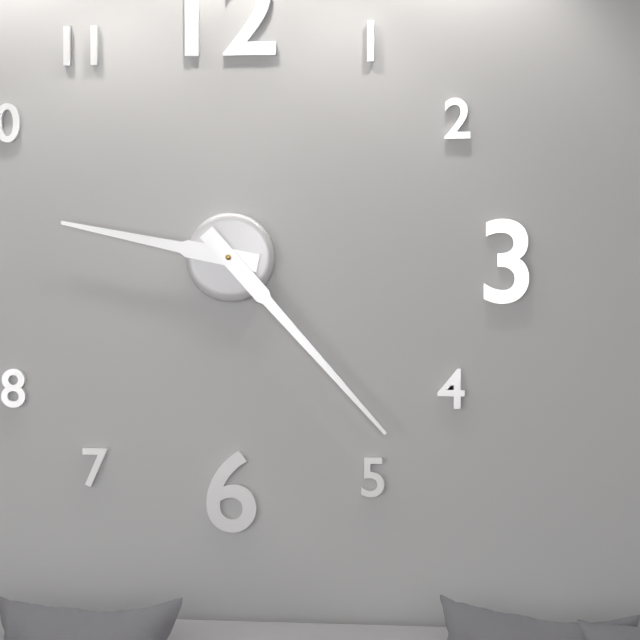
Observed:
{"hour": 9, "minute": 23}
